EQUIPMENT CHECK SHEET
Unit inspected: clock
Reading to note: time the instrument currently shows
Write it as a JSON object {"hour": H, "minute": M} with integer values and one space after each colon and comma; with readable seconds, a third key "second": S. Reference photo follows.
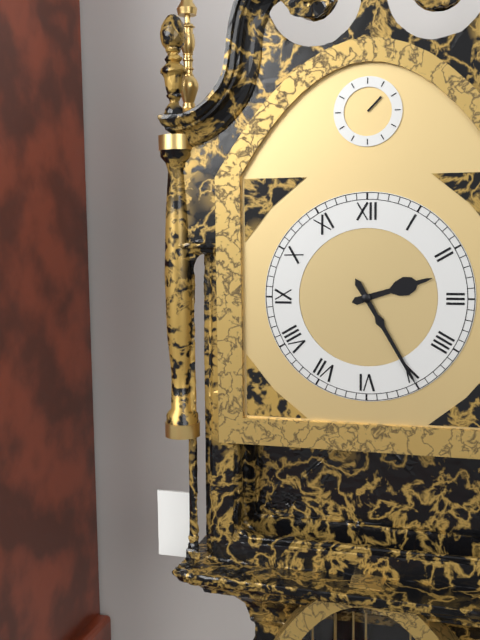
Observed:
{"hour": 2, "minute": 25}
